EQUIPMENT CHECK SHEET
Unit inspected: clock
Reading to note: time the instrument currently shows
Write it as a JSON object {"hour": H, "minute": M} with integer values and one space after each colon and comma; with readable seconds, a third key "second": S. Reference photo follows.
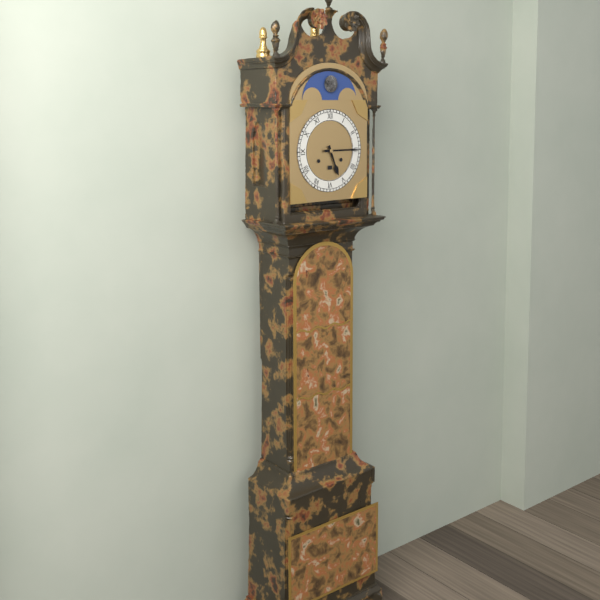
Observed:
{"hour": 5, "minute": 15}
